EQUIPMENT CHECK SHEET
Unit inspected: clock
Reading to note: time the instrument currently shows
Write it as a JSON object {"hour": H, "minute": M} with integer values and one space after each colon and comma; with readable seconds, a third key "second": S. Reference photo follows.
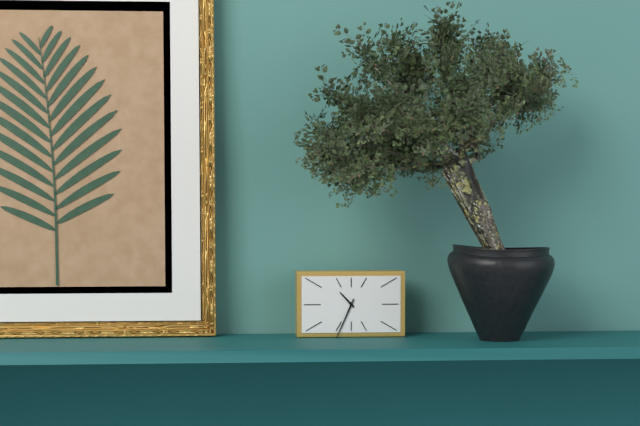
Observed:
{"hour": 10, "minute": 34}
